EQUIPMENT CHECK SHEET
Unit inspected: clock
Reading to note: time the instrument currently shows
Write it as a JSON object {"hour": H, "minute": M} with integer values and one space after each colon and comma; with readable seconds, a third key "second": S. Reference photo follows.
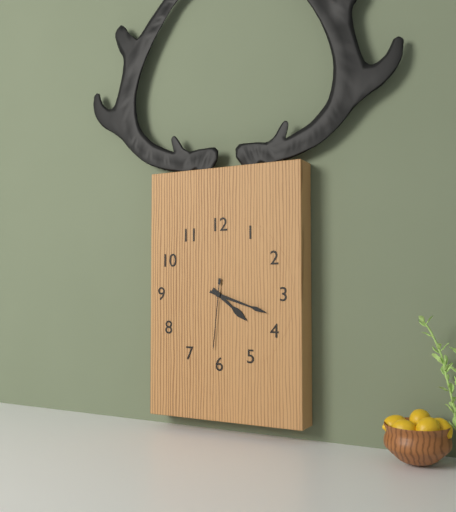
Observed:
{"hour": 4, "minute": 18, "second": 31}
